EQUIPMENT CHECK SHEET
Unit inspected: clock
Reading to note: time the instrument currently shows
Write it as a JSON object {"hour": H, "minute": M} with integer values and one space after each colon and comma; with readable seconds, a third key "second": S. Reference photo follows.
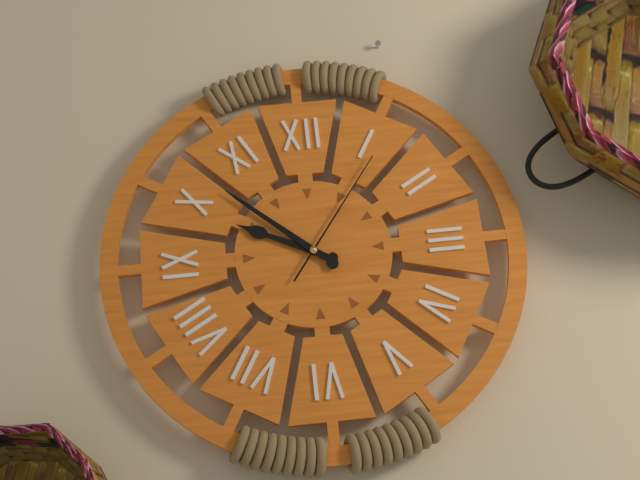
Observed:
{"hour": 9, "minute": 52, "second": 6}
